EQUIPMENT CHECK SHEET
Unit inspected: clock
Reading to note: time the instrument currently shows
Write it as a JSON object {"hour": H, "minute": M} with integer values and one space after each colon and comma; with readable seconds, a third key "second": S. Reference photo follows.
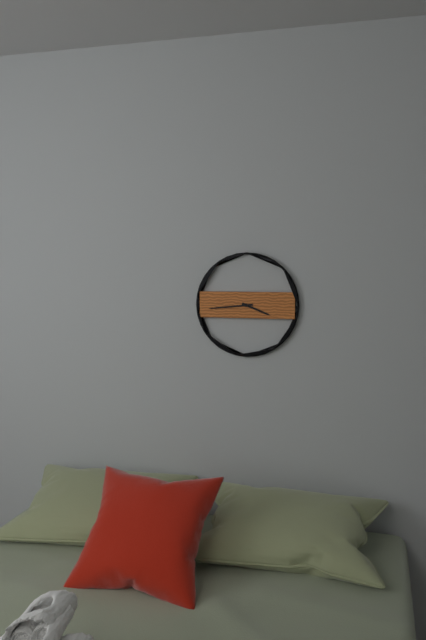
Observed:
{"hour": 3, "minute": 44}
